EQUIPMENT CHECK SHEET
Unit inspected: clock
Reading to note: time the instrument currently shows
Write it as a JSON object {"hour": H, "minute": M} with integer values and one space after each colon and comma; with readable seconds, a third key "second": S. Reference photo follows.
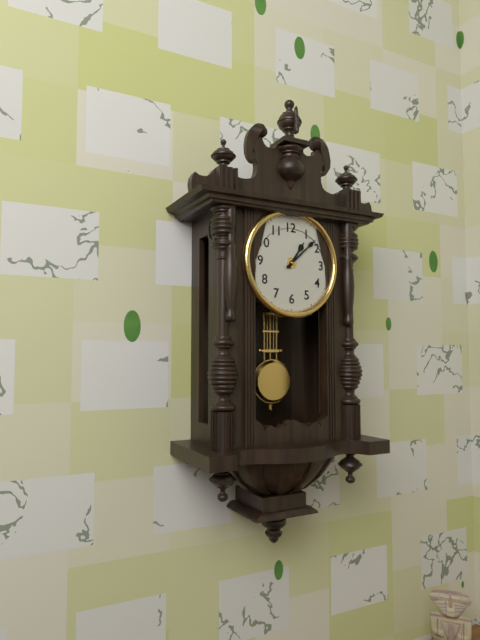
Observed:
{"hour": 1, "minute": 8}
